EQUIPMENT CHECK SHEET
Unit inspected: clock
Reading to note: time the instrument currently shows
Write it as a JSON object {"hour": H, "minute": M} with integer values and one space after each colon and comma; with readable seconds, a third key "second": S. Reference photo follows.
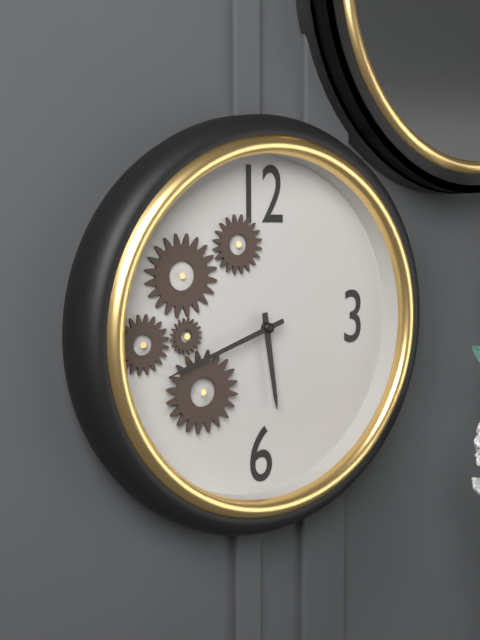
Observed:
{"hour": 5, "minute": 42}
